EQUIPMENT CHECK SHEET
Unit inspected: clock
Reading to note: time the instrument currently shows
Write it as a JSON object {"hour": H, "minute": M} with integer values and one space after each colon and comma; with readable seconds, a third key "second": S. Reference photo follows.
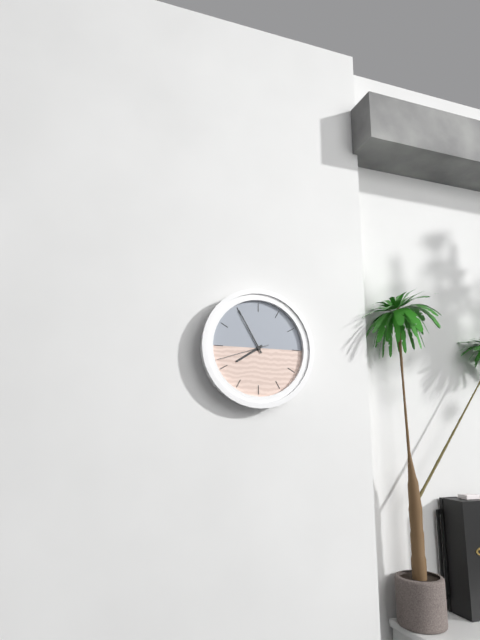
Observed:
{"hour": 7, "minute": 55, "second": 42}
